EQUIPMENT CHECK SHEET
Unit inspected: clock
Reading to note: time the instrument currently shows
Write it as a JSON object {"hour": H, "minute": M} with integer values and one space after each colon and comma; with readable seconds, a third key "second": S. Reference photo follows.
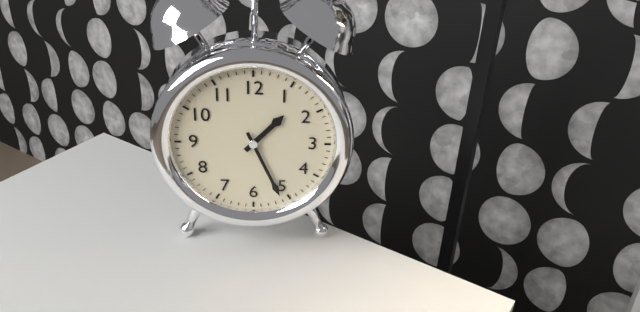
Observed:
{"hour": 1, "minute": 26}
